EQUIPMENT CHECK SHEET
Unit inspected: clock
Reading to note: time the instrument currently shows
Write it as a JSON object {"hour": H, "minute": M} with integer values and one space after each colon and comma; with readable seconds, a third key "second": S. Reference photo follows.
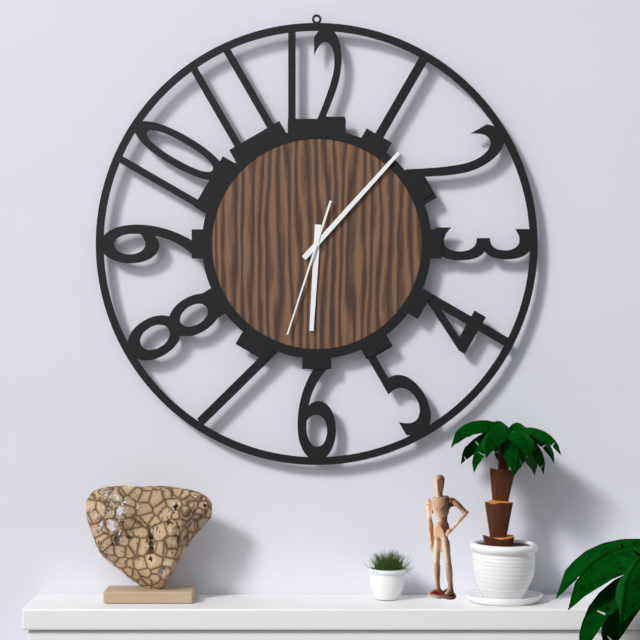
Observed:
{"hour": 6, "minute": 7, "second": 33}
